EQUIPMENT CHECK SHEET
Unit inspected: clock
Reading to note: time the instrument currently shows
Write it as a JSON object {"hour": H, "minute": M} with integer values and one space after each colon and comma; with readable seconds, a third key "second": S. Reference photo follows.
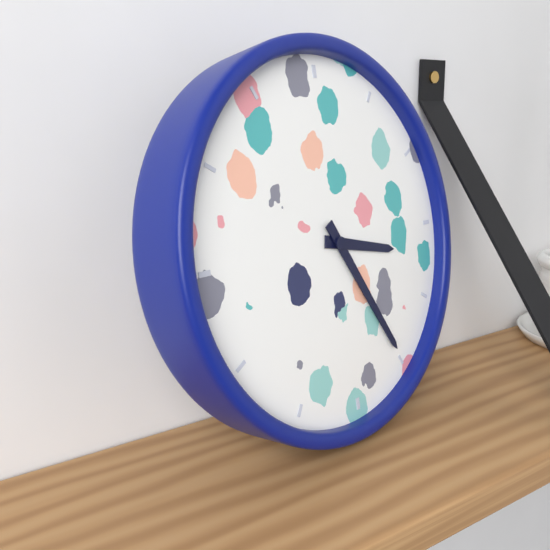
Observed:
{"hour": 3, "minute": 25}
